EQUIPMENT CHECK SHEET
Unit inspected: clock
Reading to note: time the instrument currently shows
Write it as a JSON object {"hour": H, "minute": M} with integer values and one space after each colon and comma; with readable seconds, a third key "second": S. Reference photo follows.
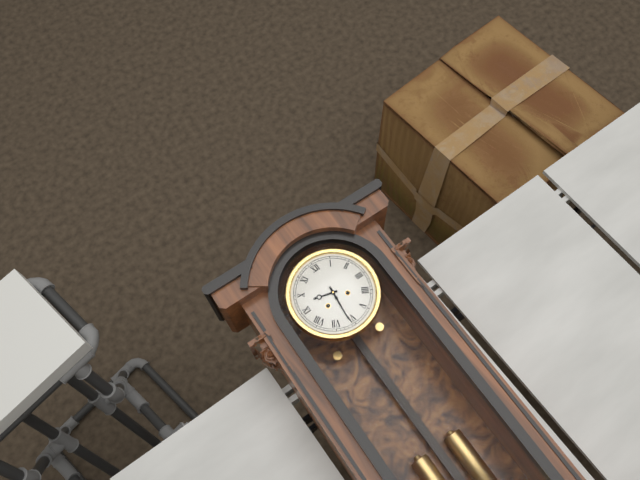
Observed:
{"hour": 9, "minute": 31}
